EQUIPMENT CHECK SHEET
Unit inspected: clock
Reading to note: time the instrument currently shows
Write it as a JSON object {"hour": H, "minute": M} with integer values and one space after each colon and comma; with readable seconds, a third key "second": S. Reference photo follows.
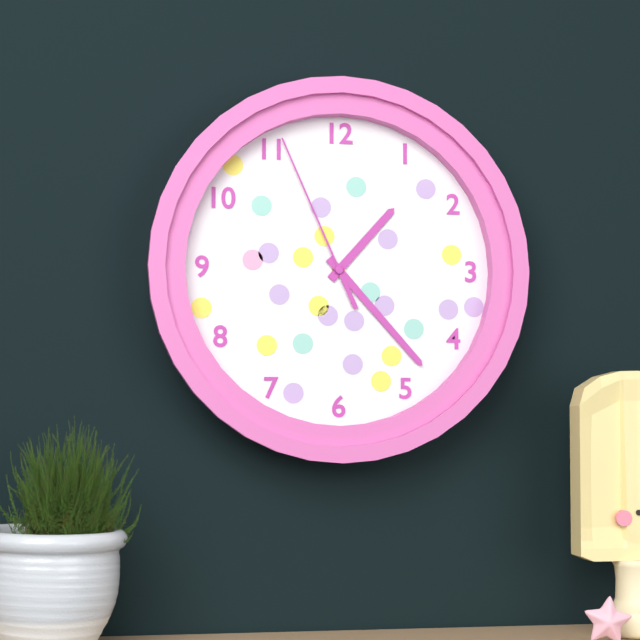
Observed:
{"hour": 1, "minute": 23, "second": 56}
